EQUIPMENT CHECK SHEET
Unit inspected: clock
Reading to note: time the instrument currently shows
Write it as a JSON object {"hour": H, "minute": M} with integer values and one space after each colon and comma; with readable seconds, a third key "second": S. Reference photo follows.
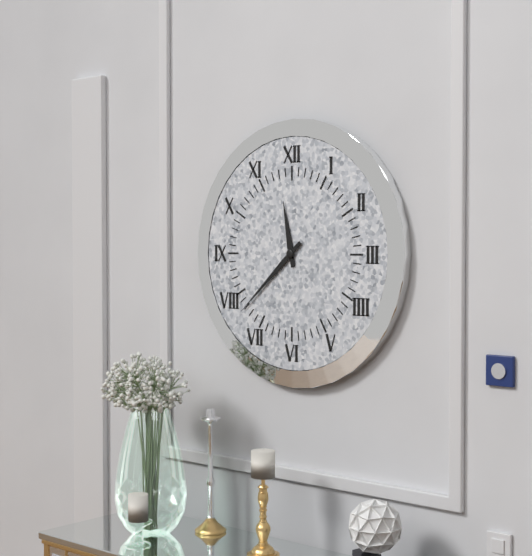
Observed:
{"hour": 11, "minute": 38}
